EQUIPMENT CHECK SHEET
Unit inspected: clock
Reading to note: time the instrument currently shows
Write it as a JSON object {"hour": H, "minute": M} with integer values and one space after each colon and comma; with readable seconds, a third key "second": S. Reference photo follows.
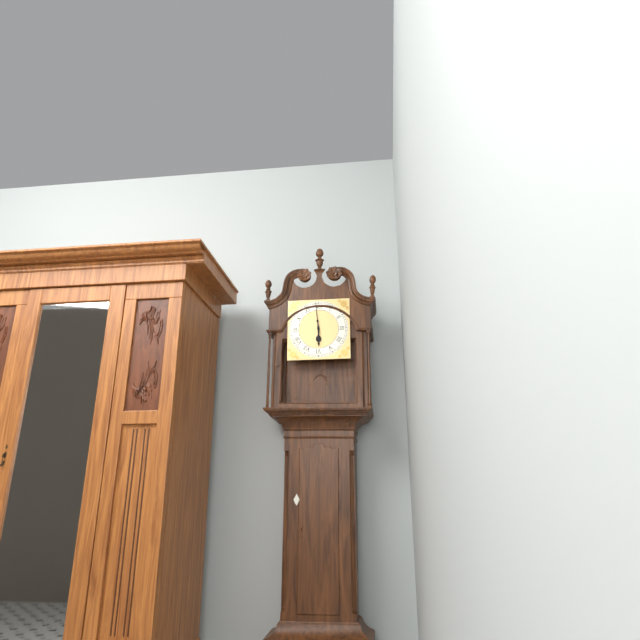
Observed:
{"hour": 5, "minute": 59}
